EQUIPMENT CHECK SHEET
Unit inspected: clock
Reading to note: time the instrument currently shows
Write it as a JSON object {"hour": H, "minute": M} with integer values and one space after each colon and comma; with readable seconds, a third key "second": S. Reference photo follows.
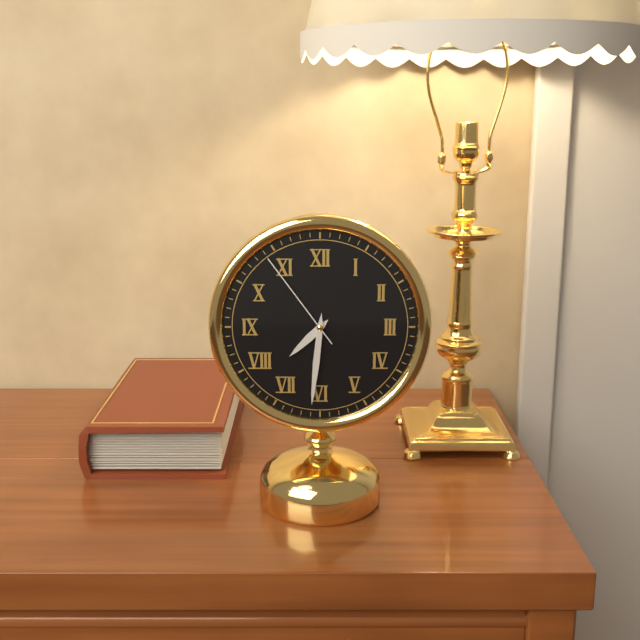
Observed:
{"hour": 7, "minute": 31, "second": 54}
